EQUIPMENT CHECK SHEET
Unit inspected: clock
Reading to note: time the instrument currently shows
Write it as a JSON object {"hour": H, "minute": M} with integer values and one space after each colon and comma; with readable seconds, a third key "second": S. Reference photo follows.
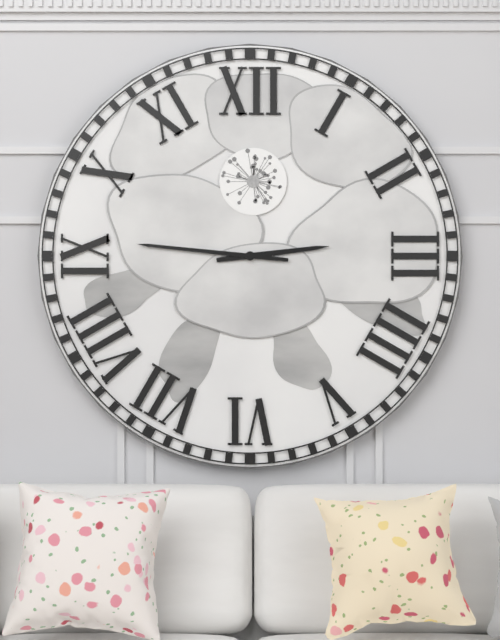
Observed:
{"hour": 2, "minute": 46}
